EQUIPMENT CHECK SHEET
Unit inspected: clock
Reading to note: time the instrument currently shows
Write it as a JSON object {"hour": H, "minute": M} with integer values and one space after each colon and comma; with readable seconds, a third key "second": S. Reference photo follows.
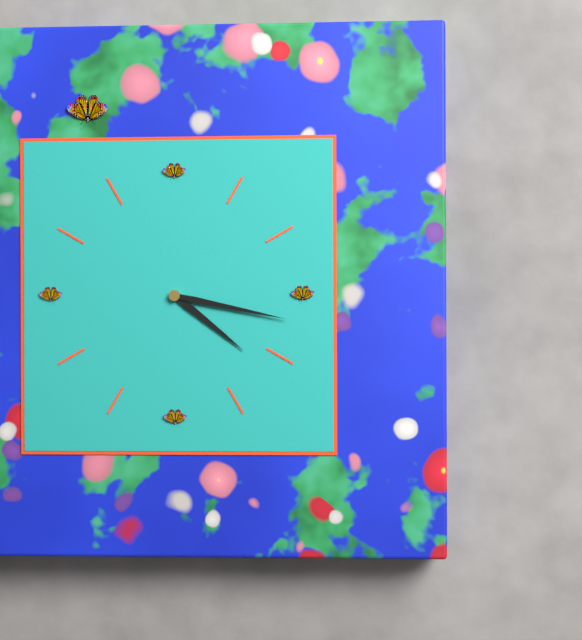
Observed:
{"hour": 4, "minute": 17}
